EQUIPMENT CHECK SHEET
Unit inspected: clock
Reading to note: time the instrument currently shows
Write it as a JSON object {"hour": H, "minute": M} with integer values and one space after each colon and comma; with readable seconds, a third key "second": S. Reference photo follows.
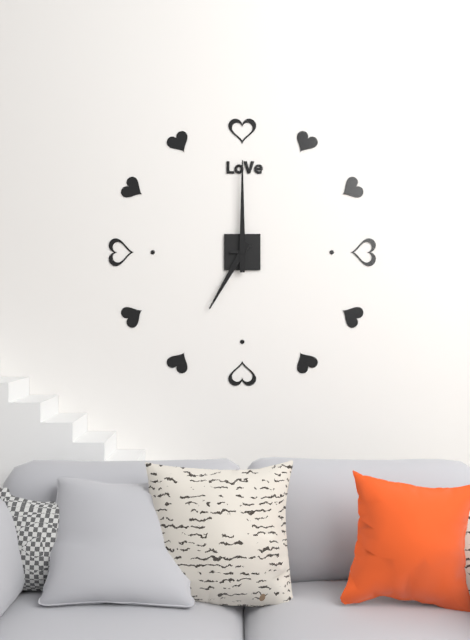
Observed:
{"hour": 7, "minute": 0}
